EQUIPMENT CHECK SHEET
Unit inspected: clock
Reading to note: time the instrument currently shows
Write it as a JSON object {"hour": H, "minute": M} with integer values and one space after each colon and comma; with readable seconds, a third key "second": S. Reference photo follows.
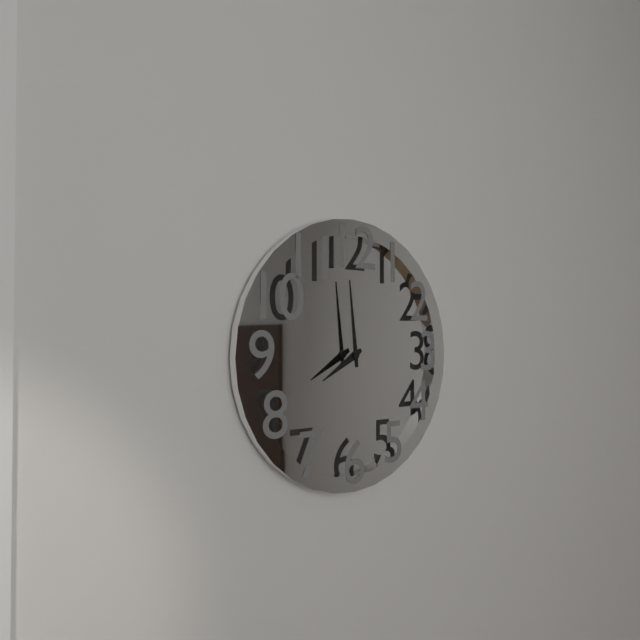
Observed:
{"hour": 7, "minute": 59}
